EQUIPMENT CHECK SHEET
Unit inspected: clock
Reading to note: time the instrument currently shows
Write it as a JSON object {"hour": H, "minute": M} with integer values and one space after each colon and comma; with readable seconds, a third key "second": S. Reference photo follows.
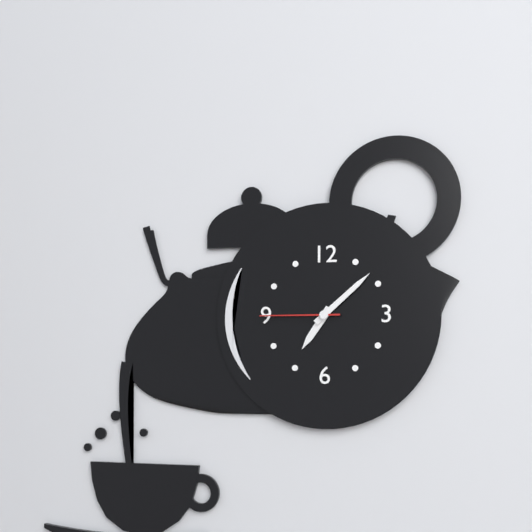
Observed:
{"hour": 7, "minute": 8, "second": 45}
